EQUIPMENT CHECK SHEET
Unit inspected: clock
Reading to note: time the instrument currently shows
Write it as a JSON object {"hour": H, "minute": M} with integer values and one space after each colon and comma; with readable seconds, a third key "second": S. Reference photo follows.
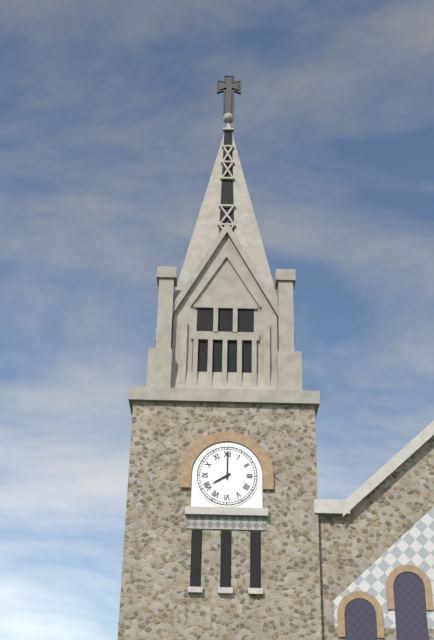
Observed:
{"hour": 8, "minute": 0}
